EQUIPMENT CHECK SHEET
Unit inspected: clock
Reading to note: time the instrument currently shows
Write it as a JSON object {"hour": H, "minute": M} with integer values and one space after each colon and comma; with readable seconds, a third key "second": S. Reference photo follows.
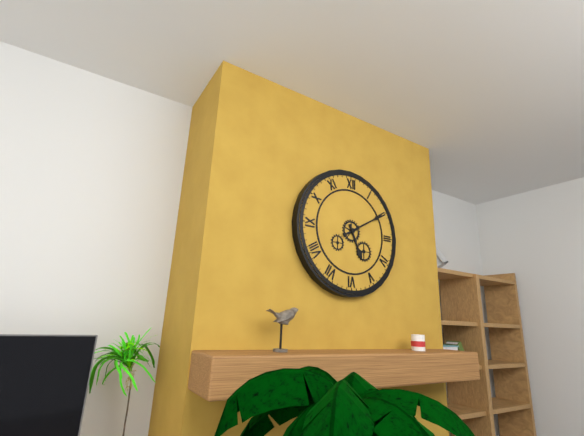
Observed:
{"hour": 5, "minute": 10}
